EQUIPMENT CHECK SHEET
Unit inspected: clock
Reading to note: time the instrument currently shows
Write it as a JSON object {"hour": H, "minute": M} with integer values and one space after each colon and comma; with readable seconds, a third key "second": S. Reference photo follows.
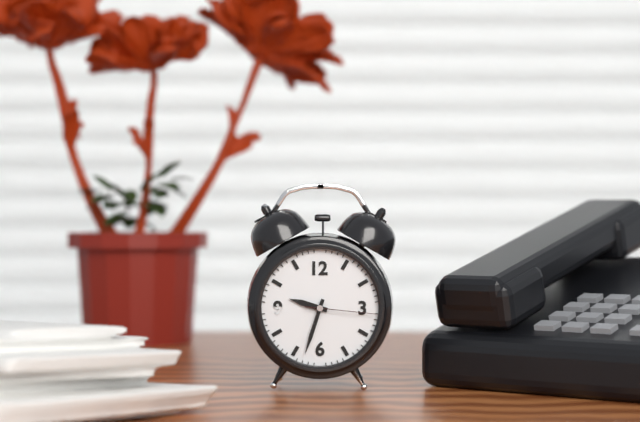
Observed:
{"hour": 9, "minute": 33, "second": 16}
